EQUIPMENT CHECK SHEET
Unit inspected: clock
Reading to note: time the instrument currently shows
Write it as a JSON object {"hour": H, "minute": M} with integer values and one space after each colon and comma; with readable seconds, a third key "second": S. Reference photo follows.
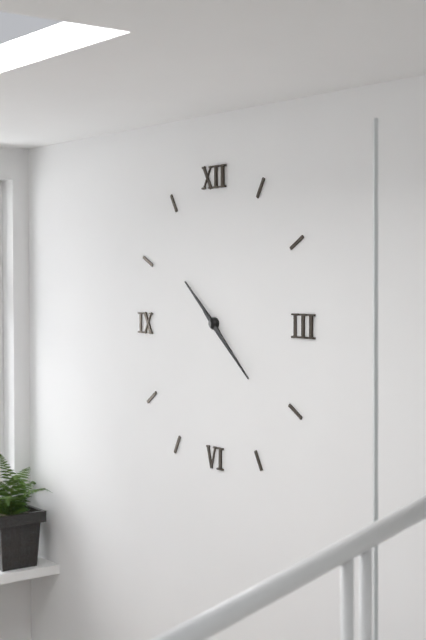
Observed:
{"hour": 10, "minute": 22}
